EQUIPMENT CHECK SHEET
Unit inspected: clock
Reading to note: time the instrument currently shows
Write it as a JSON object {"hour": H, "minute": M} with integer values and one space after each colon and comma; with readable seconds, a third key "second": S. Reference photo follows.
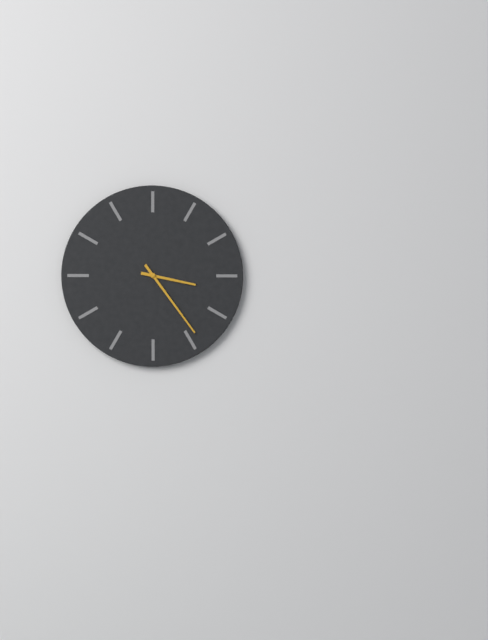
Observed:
{"hour": 3, "minute": 24}
